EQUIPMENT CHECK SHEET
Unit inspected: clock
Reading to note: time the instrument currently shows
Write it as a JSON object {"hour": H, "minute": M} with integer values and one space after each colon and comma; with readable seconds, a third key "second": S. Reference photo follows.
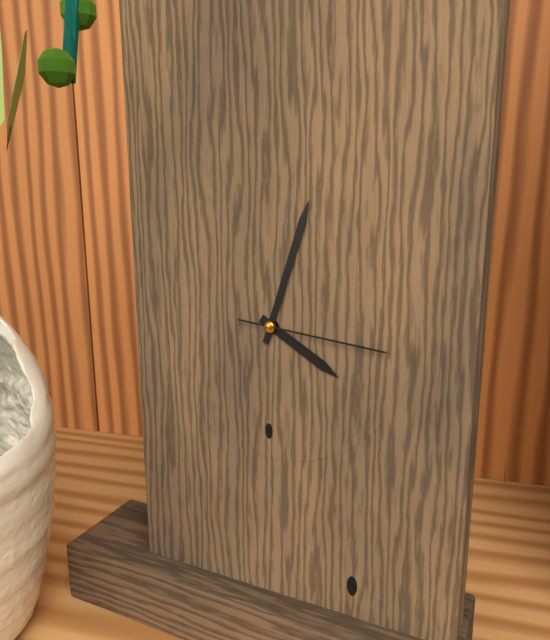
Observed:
{"hour": 4, "minute": 3, "second": 16}
